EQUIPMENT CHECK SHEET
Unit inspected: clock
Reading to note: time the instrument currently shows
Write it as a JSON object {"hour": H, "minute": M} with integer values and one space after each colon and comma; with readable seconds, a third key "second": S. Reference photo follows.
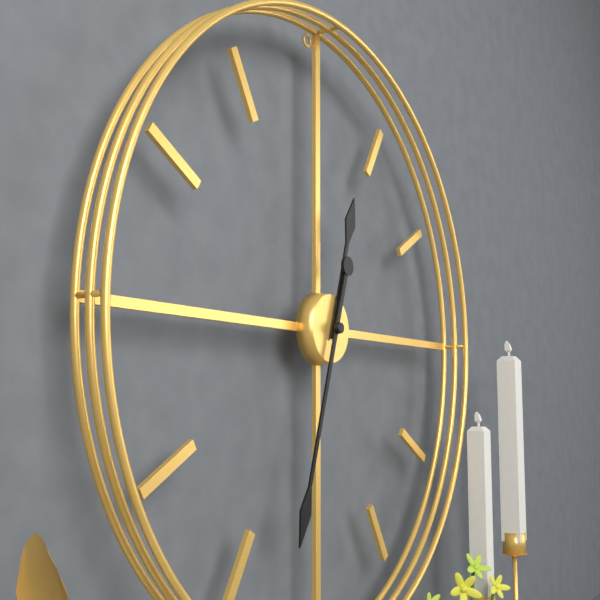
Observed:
{"hour": 12, "minute": 33}
